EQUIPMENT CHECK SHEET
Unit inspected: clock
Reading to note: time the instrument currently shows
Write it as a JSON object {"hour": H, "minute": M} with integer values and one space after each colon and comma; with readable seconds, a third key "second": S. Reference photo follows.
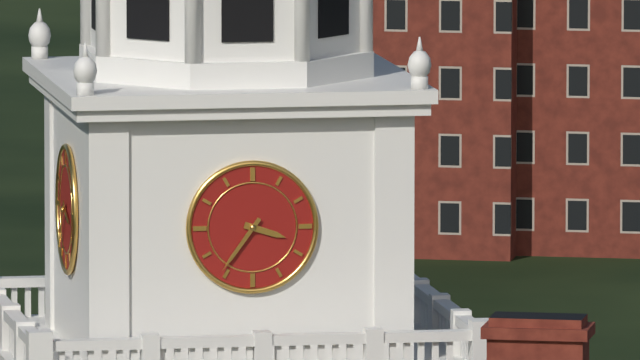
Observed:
{"hour": 3, "minute": 36}
